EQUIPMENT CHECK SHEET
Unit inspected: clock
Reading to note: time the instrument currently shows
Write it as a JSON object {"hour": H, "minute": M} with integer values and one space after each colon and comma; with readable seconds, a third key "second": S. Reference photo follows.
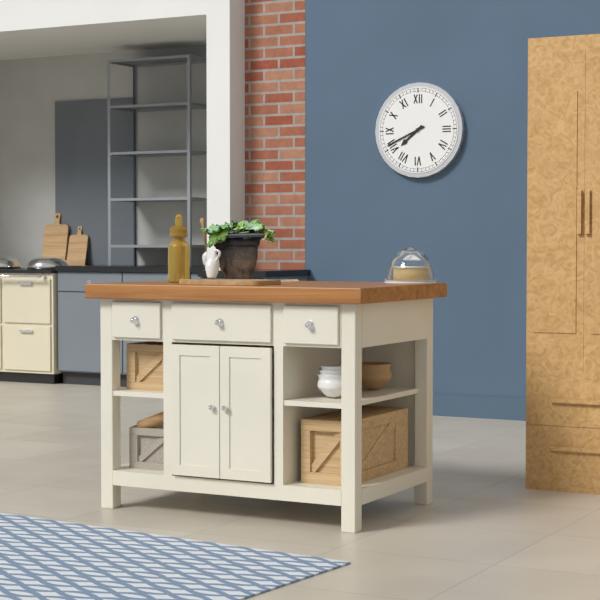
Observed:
{"hour": 7, "minute": 41}
